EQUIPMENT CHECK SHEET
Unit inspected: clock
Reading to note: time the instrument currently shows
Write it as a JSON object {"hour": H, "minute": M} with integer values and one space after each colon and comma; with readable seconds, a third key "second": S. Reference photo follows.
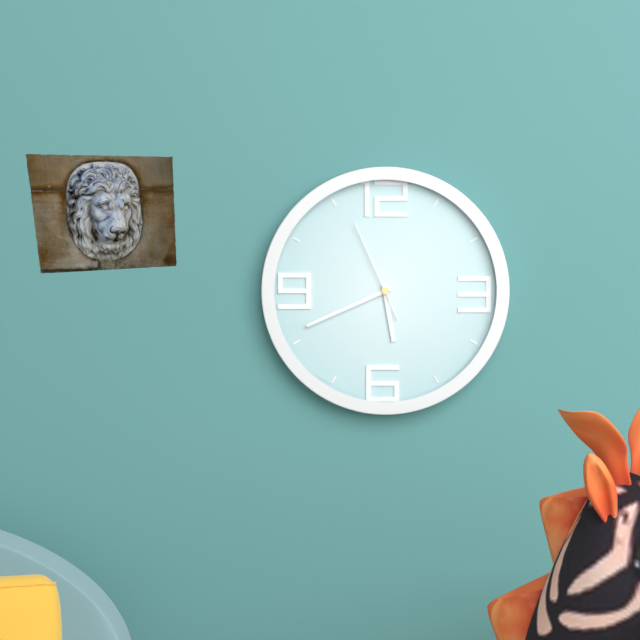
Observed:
{"hour": 5, "minute": 41, "second": 56}
